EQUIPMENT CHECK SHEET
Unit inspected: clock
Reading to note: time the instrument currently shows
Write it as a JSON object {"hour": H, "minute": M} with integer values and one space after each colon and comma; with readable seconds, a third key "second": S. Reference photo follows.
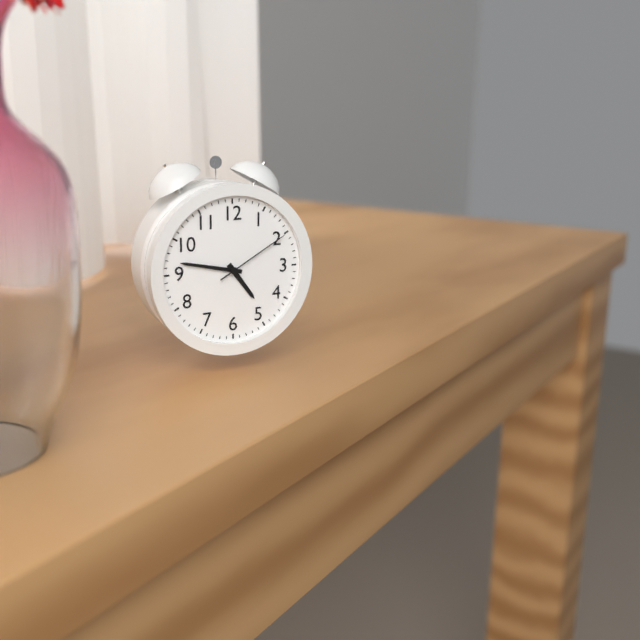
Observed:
{"hour": 4, "minute": 47, "second": 10}
